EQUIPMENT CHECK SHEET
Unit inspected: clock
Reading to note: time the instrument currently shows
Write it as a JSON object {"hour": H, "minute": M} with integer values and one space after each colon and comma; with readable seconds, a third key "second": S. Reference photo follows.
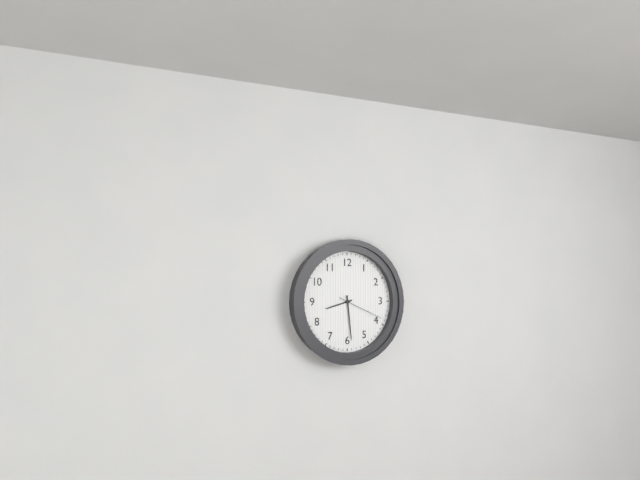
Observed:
{"hour": 8, "minute": 29}
